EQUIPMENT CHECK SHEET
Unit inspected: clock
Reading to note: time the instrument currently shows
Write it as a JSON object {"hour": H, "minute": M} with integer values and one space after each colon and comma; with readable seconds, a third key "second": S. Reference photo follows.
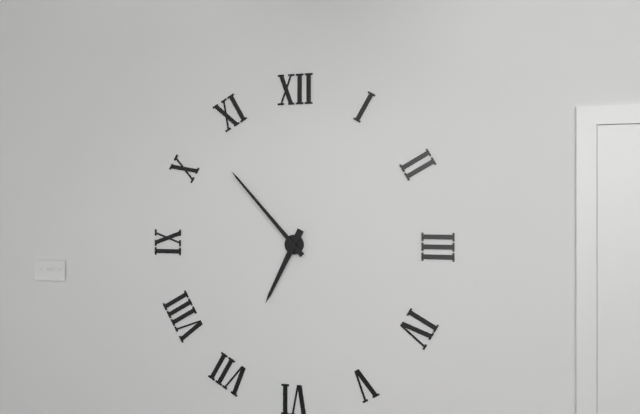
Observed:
{"hour": 6, "minute": 53}
